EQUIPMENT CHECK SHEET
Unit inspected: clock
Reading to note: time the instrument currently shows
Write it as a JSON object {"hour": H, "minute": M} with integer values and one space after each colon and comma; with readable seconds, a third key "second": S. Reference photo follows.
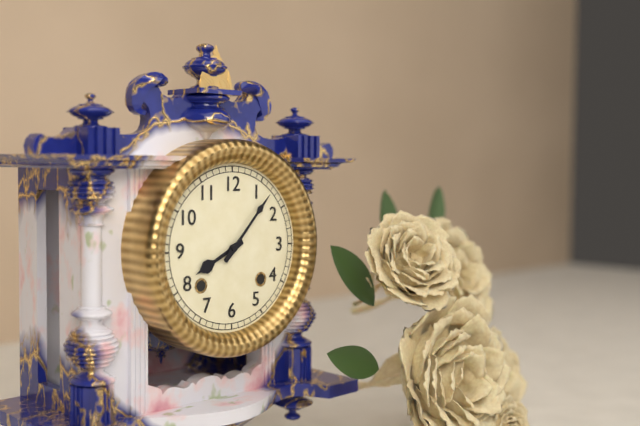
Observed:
{"hour": 8, "minute": 7}
